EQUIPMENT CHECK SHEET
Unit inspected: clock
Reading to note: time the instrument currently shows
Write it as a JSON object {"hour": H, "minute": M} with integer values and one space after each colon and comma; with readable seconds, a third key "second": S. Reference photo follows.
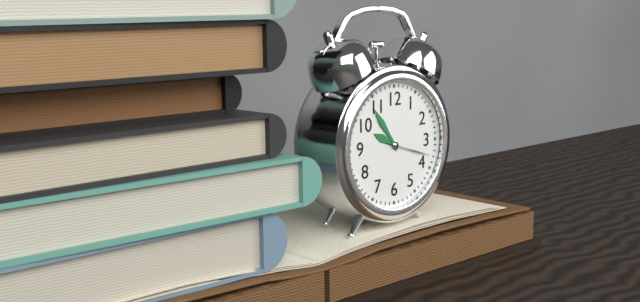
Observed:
{"hour": 9, "minute": 54}
